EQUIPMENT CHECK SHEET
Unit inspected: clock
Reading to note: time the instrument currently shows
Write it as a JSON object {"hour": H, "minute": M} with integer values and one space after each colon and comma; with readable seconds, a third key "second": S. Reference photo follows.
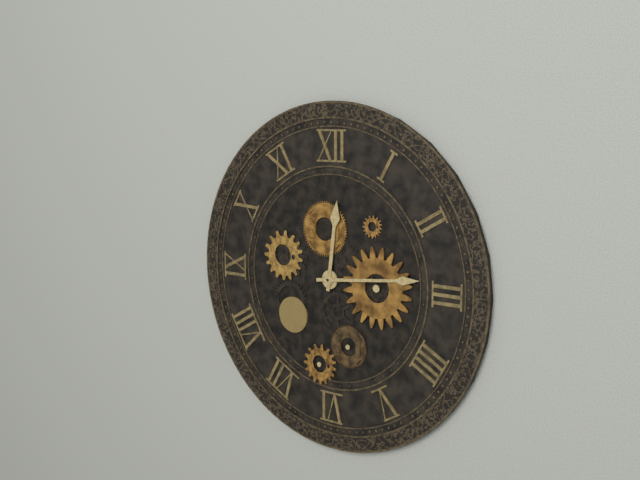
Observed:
{"hour": 12, "minute": 14}
